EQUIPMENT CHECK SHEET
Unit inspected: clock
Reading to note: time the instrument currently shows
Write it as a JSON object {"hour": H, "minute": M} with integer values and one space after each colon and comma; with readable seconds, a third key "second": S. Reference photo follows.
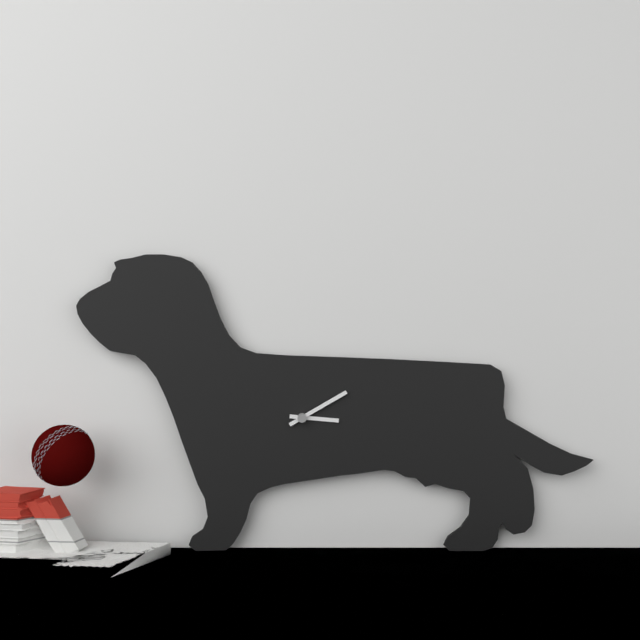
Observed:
{"hour": 3, "minute": 10}
